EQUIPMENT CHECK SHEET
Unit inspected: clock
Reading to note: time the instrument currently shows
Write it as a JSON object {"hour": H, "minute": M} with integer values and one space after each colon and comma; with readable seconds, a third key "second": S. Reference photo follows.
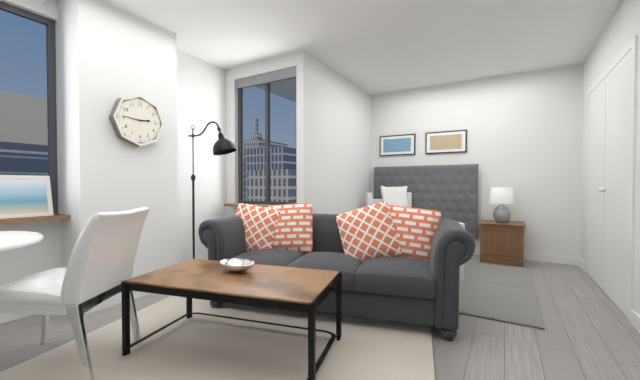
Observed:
{"hour": 2, "minute": 46}
